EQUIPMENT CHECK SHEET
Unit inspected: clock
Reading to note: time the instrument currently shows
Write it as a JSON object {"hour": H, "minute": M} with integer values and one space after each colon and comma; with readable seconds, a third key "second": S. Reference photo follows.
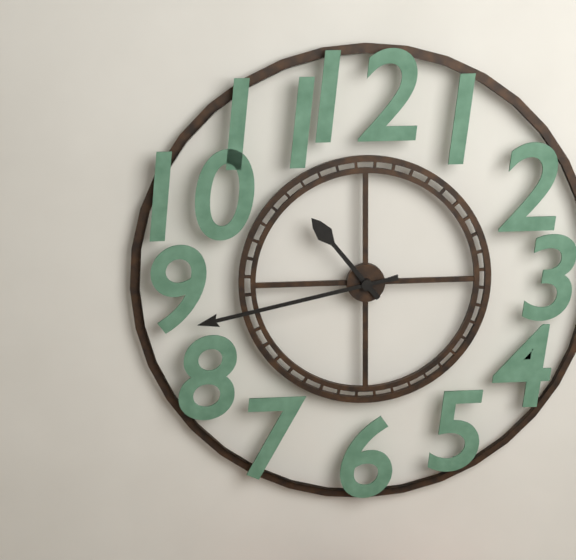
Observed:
{"hour": 10, "minute": 43}
